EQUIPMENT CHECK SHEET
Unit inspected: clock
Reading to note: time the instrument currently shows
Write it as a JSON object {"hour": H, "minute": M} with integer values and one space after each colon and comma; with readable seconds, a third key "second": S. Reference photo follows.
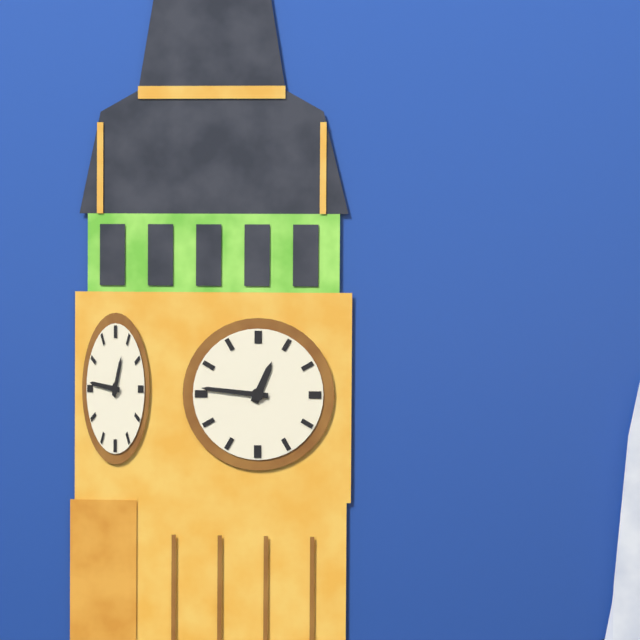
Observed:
{"hour": 12, "minute": 46}
